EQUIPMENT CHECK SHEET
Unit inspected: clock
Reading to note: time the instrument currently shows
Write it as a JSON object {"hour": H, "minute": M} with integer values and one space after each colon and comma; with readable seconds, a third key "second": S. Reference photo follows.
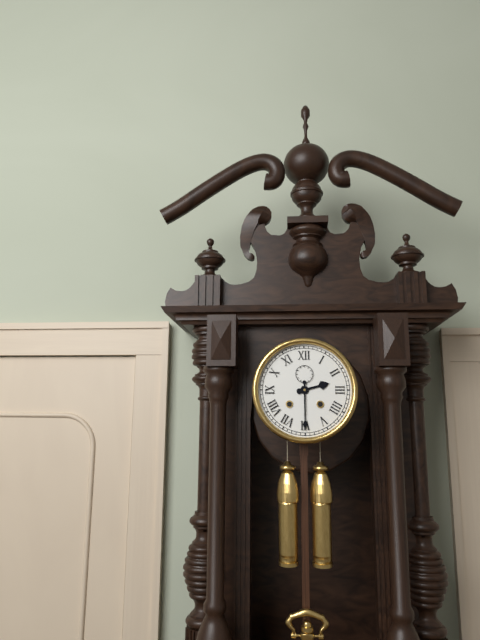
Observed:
{"hour": 2, "minute": 30}
